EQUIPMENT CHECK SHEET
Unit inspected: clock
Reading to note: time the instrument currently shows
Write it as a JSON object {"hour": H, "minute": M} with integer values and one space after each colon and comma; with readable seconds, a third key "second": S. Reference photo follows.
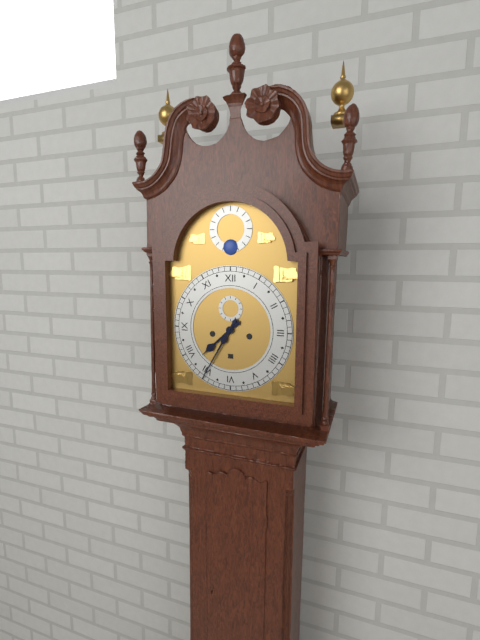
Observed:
{"hour": 7, "minute": 35}
